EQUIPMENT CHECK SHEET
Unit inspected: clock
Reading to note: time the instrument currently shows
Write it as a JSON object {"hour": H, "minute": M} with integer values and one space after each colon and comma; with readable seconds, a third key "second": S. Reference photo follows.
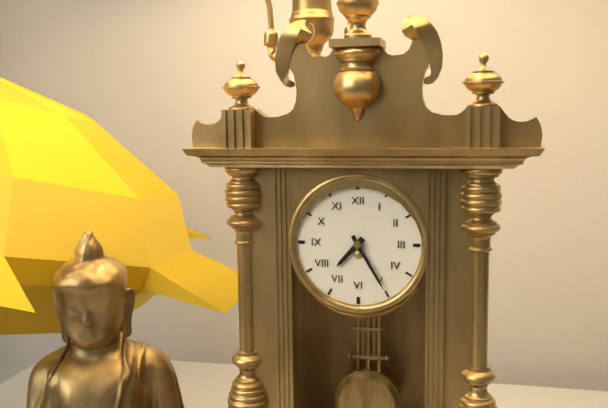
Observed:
{"hour": 7, "minute": 25}
